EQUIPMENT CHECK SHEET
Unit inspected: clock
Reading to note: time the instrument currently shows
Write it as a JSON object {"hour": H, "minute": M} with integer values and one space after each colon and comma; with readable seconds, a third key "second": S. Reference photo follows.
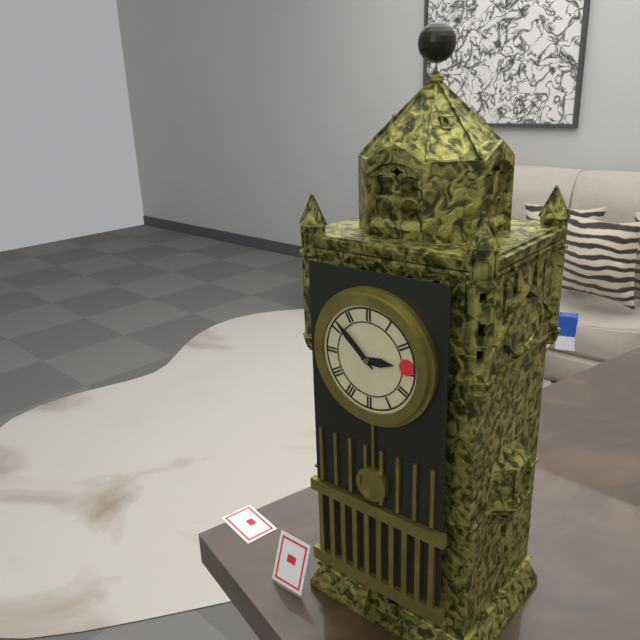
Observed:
{"hour": 2, "minute": 52}
